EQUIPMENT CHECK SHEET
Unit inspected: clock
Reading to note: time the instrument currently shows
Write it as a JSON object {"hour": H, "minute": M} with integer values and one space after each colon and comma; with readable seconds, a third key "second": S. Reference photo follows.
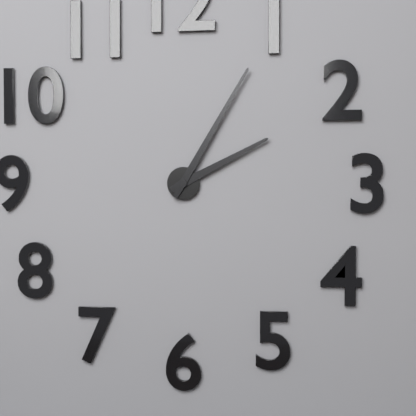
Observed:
{"hour": 2, "minute": 5}
